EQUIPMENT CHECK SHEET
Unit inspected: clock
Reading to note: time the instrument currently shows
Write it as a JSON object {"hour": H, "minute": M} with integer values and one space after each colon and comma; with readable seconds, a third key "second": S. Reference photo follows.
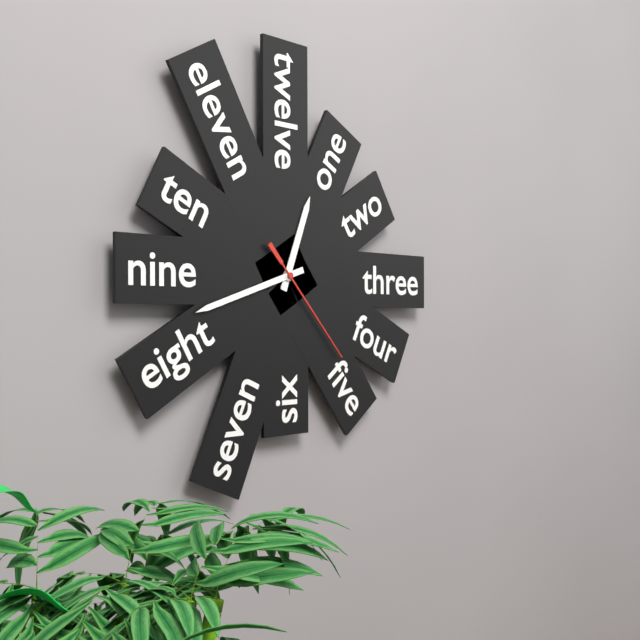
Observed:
{"hour": 12, "minute": 42, "second": 23}
